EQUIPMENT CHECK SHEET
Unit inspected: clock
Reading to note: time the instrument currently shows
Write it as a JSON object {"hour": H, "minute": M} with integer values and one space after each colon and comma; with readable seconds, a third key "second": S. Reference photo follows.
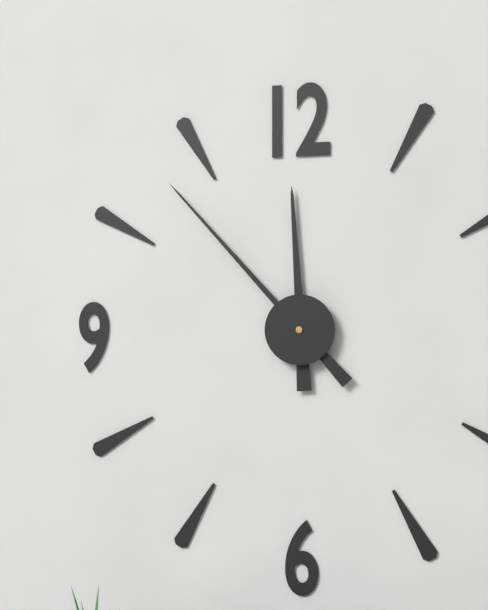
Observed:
{"hour": 11, "minute": 53}
